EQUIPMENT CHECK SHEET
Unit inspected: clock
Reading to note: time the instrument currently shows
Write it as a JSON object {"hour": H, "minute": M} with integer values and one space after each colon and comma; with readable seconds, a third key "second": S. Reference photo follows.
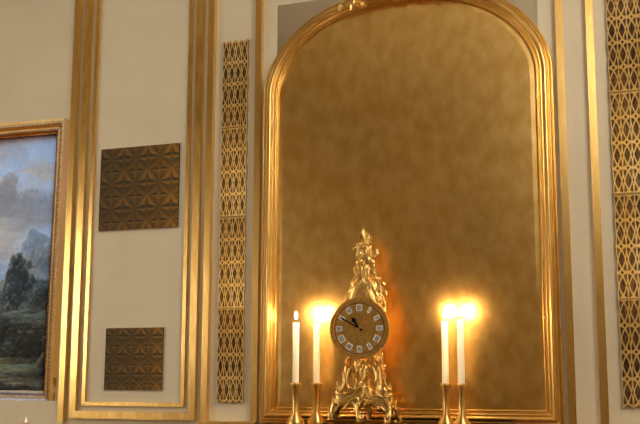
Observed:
{"hour": 10, "minute": 50}
